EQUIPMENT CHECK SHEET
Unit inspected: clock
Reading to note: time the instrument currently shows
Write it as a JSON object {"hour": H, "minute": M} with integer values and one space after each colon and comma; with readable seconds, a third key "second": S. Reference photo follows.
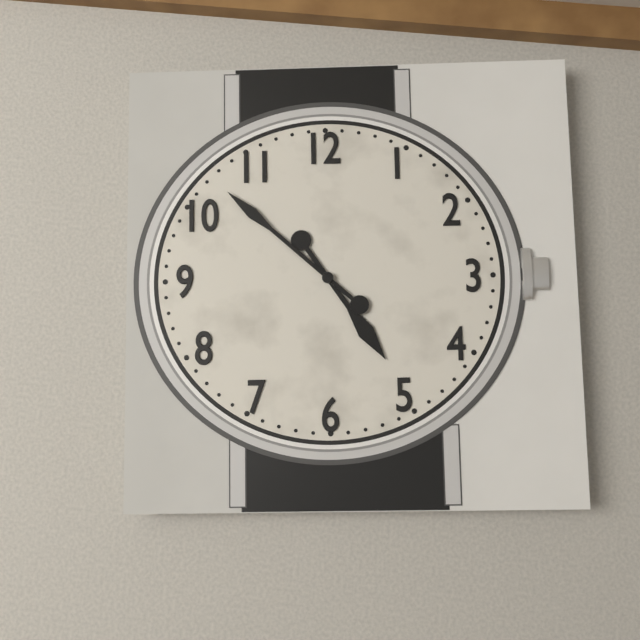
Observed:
{"hour": 4, "minute": 52}
